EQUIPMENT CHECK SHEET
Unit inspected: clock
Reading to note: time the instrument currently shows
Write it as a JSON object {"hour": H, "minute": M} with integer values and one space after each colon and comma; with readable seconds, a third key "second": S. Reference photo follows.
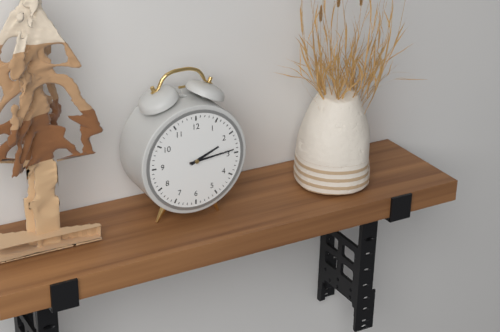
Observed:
{"hour": 2, "minute": 14}
